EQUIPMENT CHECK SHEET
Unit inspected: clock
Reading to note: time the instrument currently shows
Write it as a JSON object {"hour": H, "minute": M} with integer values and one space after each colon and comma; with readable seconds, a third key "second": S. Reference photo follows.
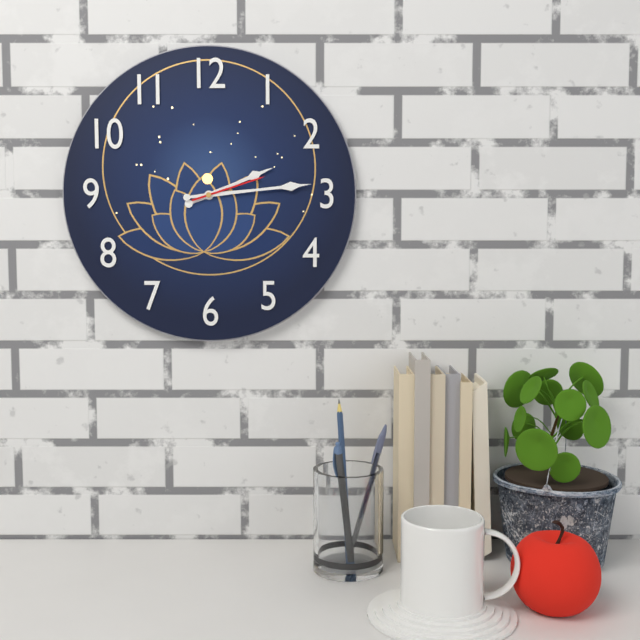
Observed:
{"hour": 2, "minute": 14, "second": 12}
